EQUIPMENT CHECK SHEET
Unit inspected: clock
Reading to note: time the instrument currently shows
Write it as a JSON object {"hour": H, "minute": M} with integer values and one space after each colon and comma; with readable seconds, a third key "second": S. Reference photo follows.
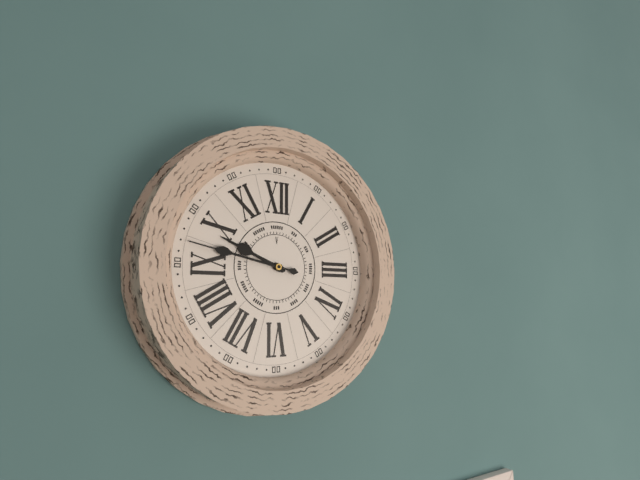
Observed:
{"hour": 9, "minute": 47}
